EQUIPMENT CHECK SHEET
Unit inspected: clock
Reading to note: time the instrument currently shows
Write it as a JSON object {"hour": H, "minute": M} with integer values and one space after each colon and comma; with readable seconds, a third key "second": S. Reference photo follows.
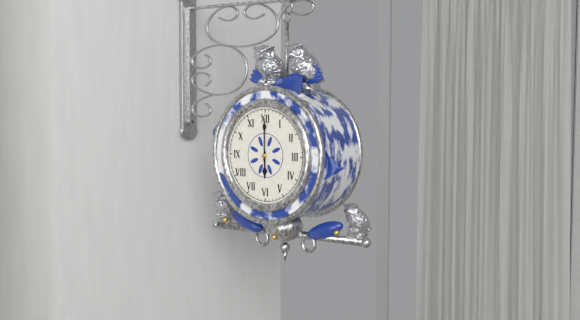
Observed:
{"hour": 6, "minute": 0}
